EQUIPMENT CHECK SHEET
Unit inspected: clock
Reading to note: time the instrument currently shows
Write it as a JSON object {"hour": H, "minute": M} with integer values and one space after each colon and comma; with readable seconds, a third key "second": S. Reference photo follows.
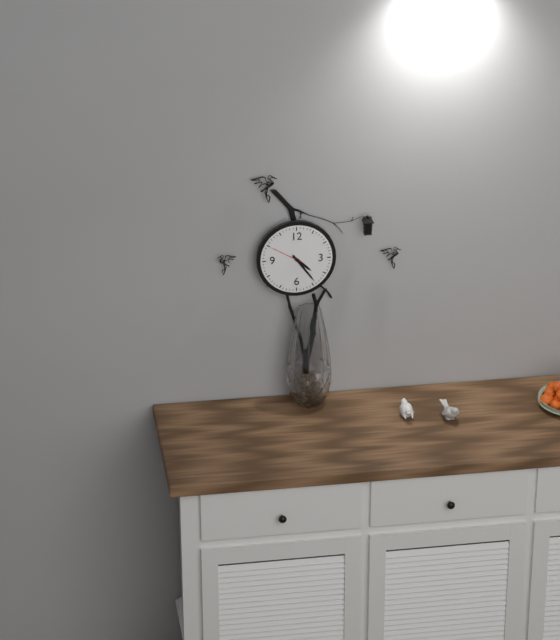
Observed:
{"hour": 4, "minute": 24}
